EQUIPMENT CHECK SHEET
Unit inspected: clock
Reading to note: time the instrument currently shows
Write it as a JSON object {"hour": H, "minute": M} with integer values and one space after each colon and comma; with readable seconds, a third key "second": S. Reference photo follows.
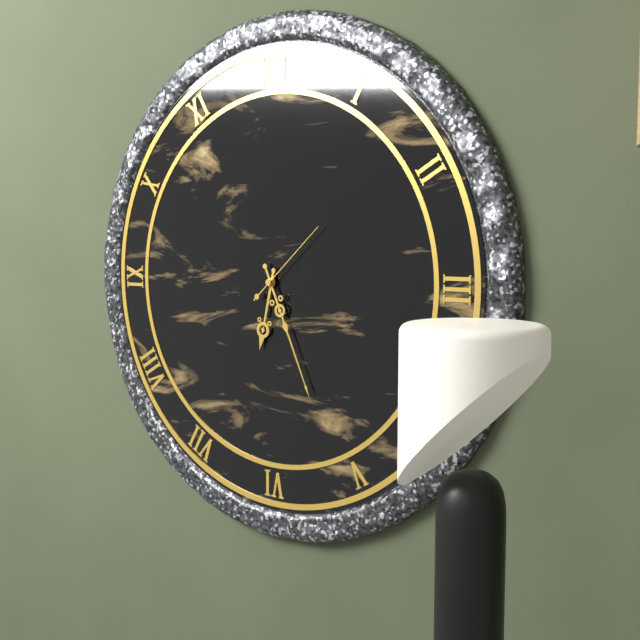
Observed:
{"hour": 6, "minute": 26, "second": 8}
